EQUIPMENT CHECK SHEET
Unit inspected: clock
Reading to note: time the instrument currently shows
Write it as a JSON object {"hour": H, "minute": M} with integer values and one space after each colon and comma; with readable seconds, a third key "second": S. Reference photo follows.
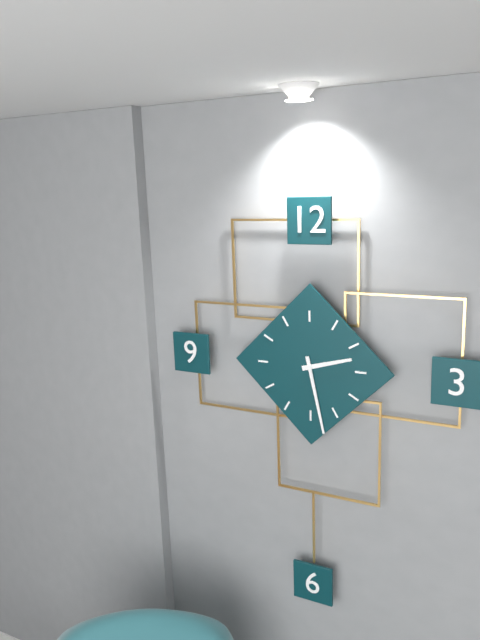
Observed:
{"hour": 2, "minute": 28}
